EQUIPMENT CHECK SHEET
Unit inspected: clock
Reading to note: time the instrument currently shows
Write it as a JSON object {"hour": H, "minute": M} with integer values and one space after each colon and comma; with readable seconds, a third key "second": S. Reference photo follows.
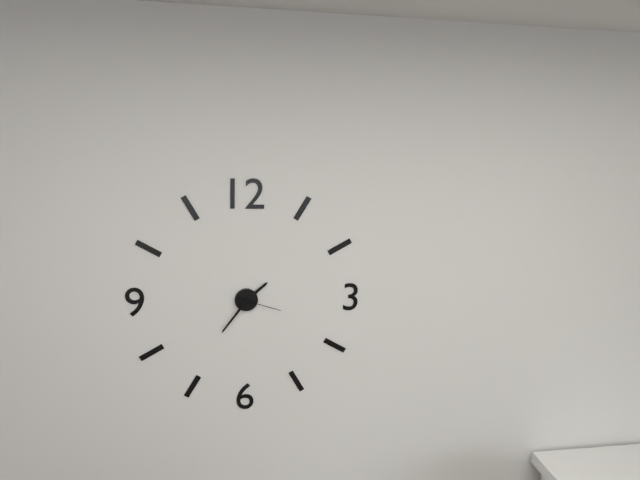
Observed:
{"hour": 1, "minute": 36}
